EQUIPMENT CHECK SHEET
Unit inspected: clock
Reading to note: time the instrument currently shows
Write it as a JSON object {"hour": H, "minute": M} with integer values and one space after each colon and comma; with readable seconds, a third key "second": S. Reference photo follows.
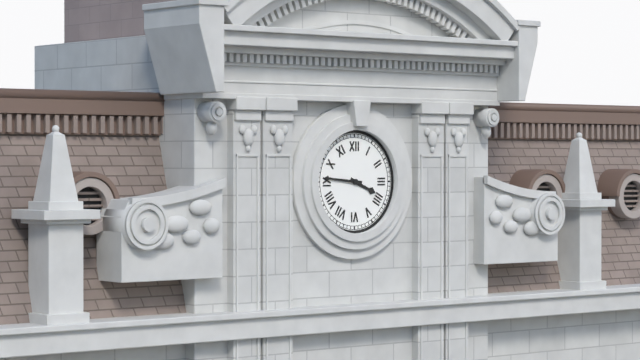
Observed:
{"hour": 3, "minute": 46}
